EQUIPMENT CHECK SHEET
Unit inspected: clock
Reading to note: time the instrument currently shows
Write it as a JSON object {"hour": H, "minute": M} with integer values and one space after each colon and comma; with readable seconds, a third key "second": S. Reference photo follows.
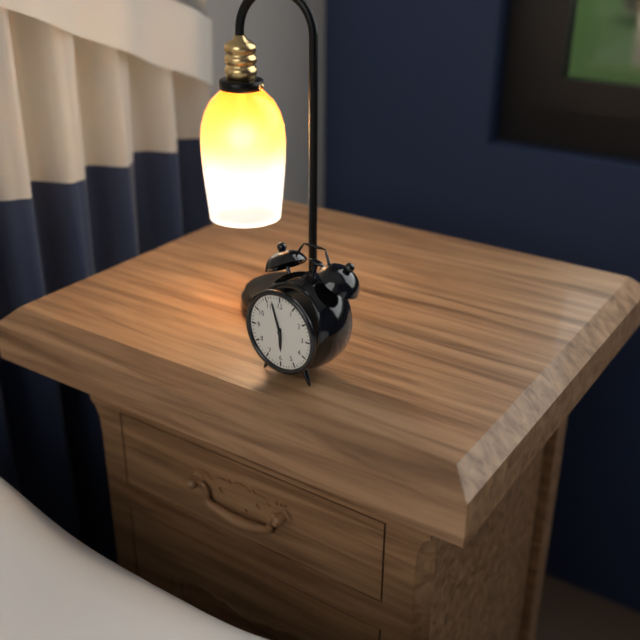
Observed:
{"hour": 5, "minute": 57}
